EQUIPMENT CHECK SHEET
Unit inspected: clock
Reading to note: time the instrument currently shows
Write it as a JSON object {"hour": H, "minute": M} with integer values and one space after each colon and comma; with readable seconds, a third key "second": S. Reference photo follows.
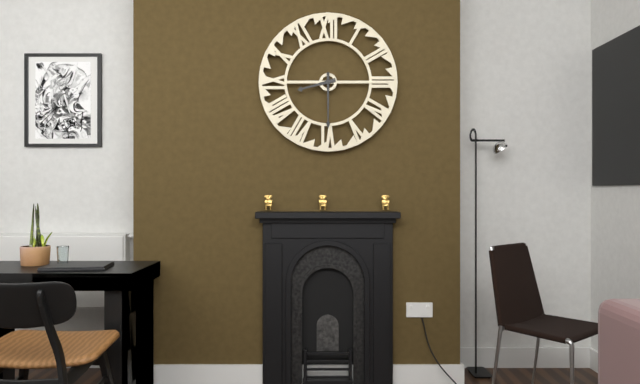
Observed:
{"hour": 8, "minute": 30}
